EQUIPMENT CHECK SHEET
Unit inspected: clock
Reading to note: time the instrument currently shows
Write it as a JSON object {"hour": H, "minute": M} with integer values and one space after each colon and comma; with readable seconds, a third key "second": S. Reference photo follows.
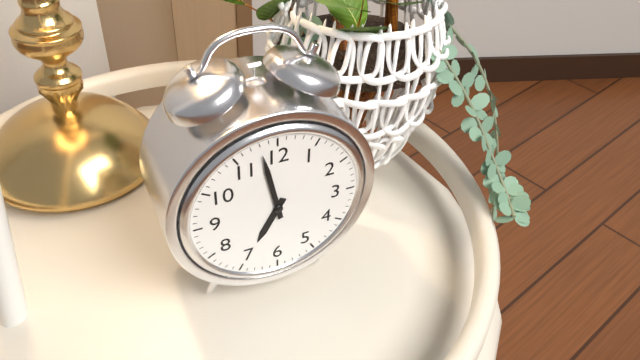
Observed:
{"hour": 6, "minute": 58}
